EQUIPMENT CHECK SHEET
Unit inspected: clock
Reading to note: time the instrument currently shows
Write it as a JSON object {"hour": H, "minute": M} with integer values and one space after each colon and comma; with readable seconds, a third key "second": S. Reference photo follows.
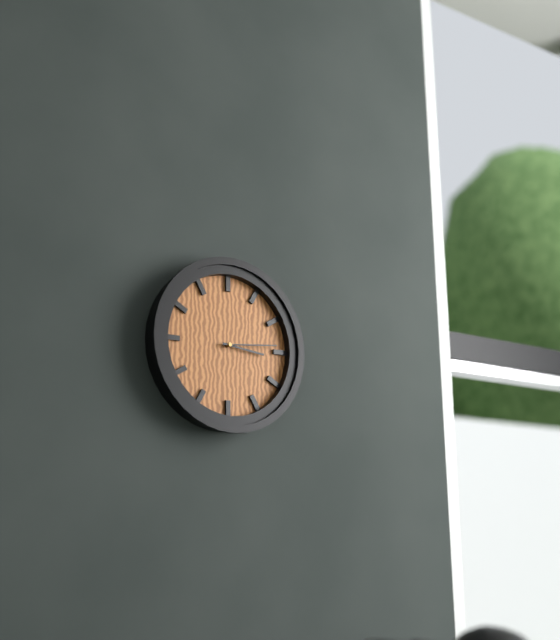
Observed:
{"hour": 3, "minute": 14}
